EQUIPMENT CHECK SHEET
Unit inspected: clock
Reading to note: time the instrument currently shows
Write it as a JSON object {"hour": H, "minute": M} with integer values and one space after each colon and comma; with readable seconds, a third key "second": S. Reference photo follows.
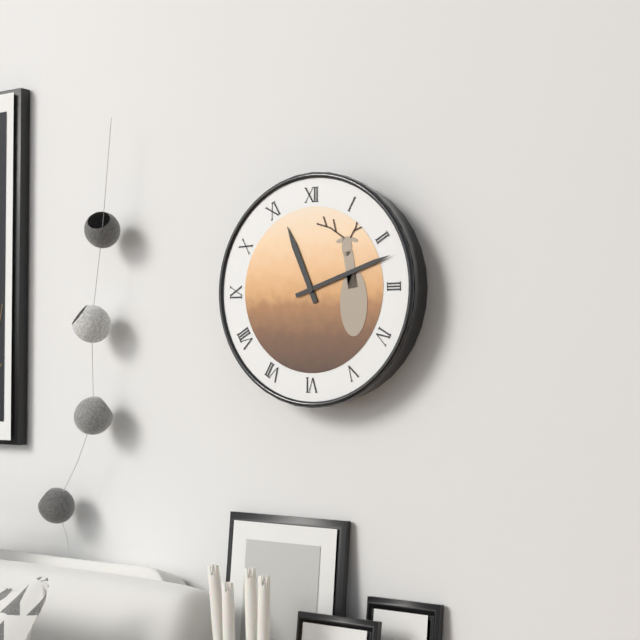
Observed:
{"hour": 11, "minute": 12}
